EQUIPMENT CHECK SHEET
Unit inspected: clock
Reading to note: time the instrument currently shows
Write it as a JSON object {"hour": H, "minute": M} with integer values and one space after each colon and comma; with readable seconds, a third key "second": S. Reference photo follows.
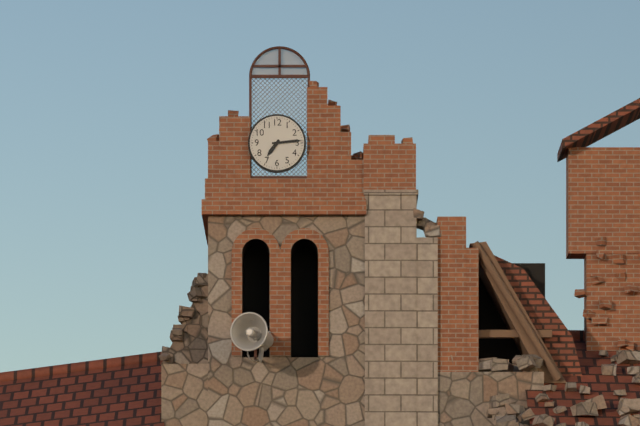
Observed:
{"hour": 7, "minute": 14}
